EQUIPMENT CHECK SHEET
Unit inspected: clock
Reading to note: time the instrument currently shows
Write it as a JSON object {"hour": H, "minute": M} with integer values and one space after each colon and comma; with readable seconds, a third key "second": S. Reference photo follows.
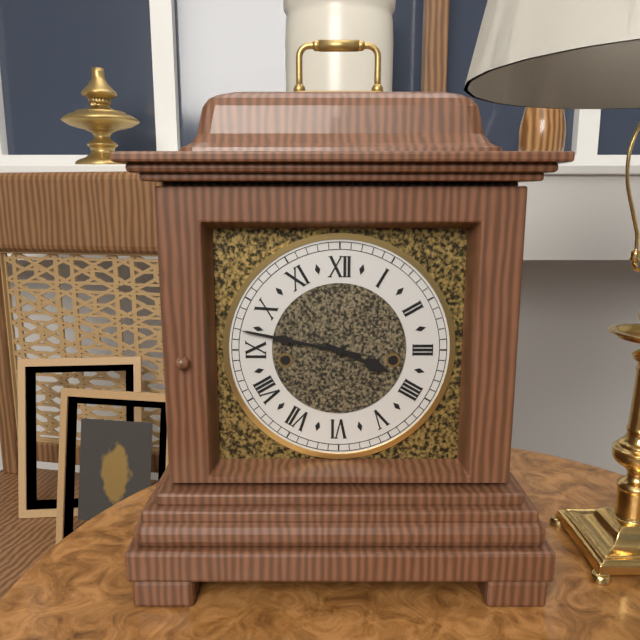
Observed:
{"hour": 3, "minute": 47}
